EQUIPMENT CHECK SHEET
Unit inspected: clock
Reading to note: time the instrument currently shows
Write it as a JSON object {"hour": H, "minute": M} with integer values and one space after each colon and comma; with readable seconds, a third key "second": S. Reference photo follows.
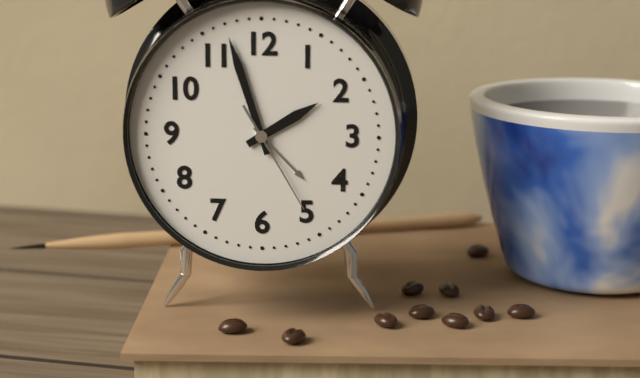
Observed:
{"hour": 1, "minute": 57, "second": 25}
